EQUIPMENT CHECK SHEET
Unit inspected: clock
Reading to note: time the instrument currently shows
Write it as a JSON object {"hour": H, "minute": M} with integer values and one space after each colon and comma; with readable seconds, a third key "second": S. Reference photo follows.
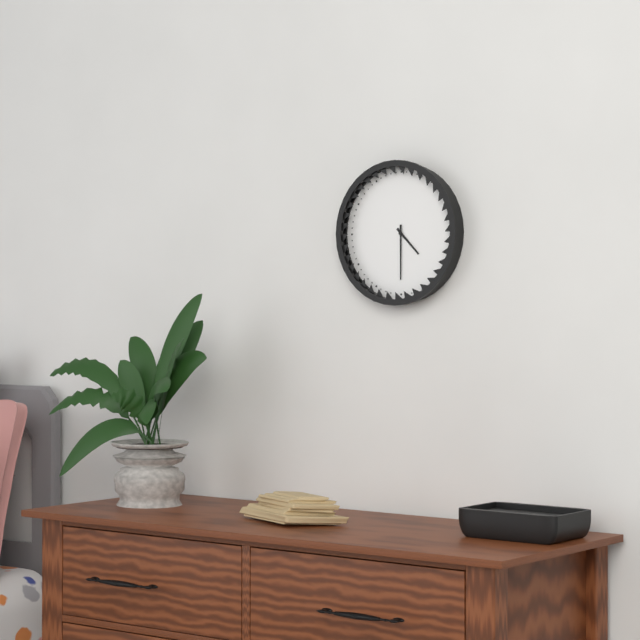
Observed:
{"hour": 4, "minute": 30}
